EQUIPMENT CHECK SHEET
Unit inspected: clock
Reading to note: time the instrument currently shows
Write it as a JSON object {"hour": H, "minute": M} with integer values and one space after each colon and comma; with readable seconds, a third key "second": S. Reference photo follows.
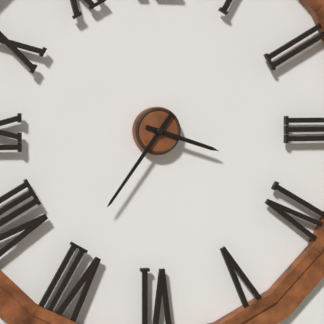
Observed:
{"hour": 3, "minute": 36}
